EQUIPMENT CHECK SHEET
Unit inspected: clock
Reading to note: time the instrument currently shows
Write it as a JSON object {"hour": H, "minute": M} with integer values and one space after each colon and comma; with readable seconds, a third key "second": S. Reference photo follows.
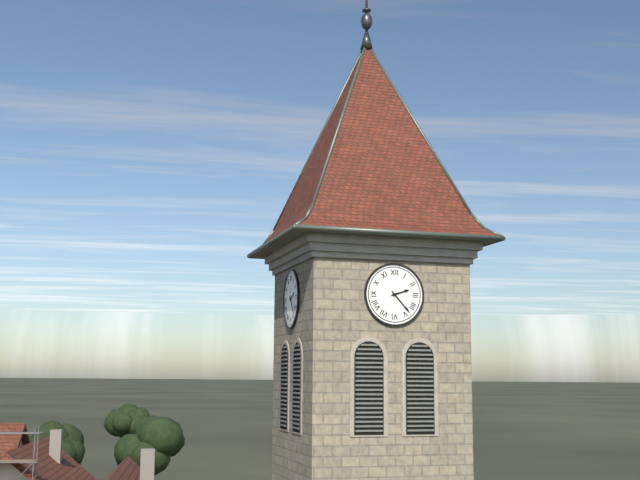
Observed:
{"hour": 2, "minute": 23}
